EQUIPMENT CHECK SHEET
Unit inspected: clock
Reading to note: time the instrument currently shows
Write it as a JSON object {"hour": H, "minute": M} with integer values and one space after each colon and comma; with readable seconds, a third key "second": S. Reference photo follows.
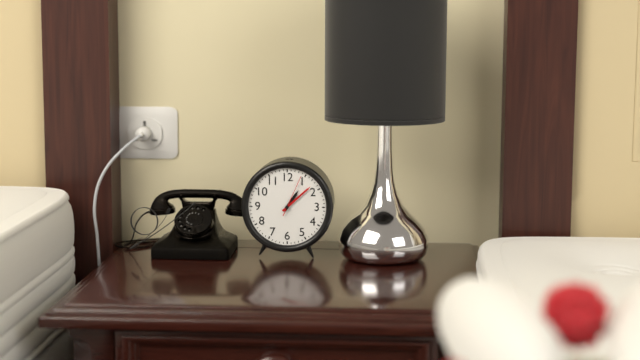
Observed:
{"hour": 1, "minute": 8}
